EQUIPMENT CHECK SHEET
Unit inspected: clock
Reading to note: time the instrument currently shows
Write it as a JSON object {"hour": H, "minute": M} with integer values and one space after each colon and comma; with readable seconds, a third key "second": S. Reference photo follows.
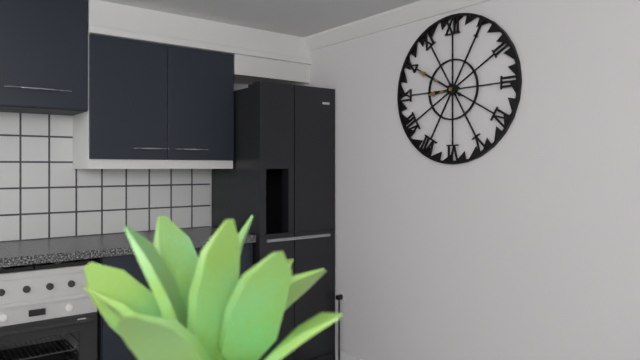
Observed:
{"hour": 8, "minute": 50}
